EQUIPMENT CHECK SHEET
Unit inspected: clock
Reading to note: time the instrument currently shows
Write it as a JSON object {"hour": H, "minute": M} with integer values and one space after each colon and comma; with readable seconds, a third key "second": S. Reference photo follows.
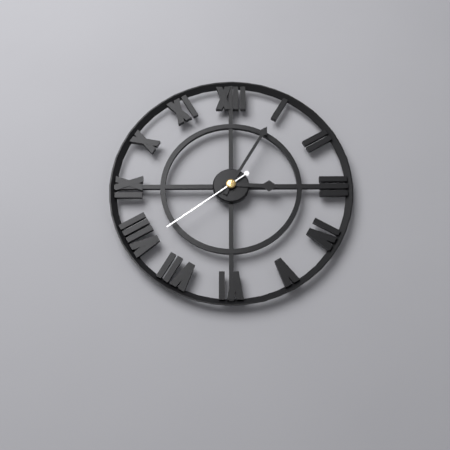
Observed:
{"hour": 3, "minute": 5, "second": 39}
